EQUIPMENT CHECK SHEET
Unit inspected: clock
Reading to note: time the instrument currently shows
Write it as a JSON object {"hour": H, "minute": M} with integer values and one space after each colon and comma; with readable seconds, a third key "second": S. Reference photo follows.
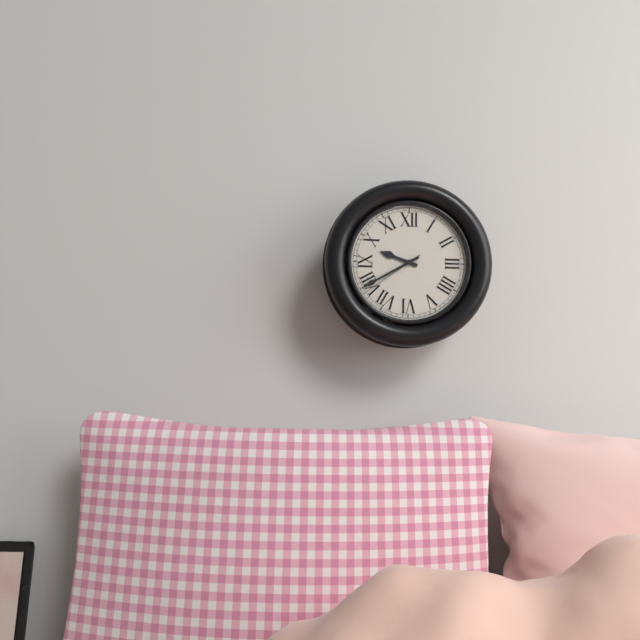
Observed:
{"hour": 9, "minute": 40, "second": 39}
